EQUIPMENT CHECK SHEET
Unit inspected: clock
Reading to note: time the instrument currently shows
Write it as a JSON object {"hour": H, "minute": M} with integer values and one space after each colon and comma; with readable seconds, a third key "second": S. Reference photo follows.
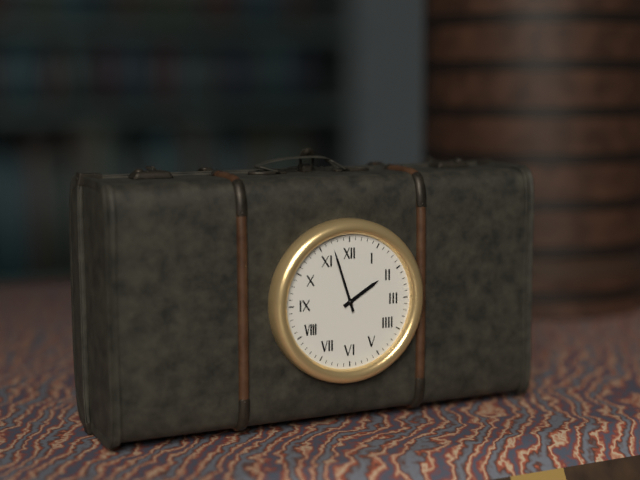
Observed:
{"hour": 1, "minute": 57}
